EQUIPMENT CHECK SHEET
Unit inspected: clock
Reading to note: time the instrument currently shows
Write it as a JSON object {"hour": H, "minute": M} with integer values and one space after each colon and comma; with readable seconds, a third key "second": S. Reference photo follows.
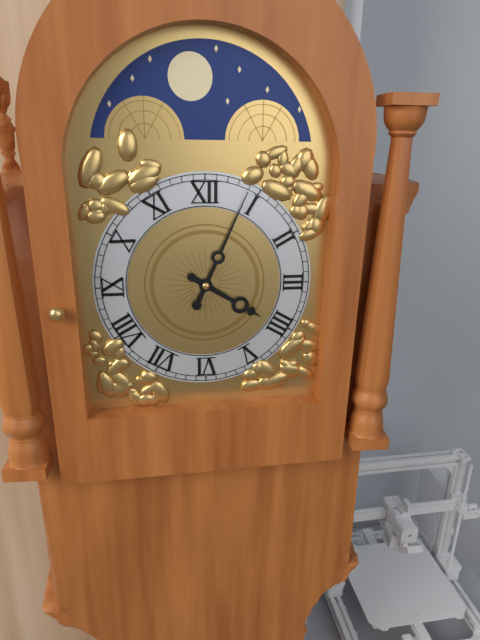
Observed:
{"hour": 4, "minute": 4}
